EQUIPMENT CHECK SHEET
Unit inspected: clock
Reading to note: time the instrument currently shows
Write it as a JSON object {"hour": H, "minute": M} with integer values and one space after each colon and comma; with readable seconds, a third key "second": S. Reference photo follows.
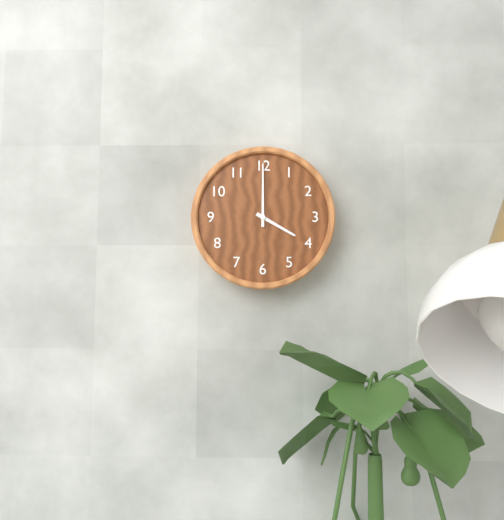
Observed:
{"hour": 4, "minute": 0}
